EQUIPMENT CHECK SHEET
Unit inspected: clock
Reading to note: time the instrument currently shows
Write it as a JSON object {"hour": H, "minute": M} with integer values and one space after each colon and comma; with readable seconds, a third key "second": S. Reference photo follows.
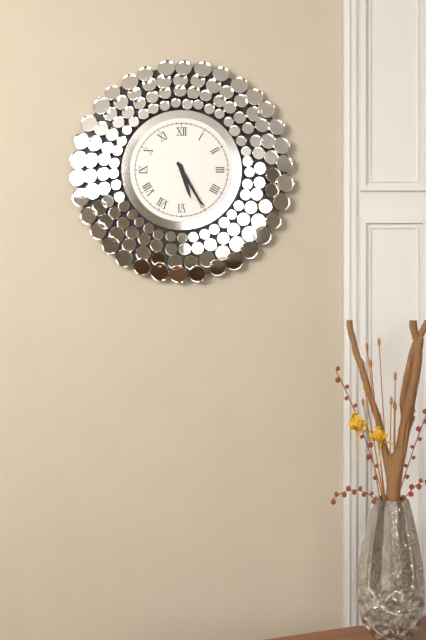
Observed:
{"hour": 5, "minute": 25}
